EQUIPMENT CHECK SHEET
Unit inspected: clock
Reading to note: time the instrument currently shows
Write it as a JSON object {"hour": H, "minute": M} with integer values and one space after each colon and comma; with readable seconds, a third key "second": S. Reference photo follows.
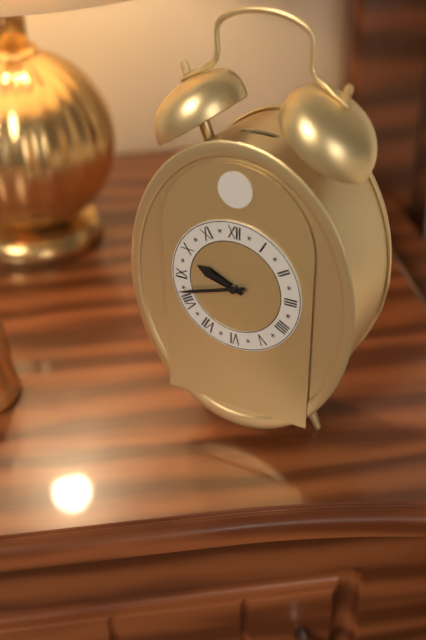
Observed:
{"hour": 9, "minute": 42}
